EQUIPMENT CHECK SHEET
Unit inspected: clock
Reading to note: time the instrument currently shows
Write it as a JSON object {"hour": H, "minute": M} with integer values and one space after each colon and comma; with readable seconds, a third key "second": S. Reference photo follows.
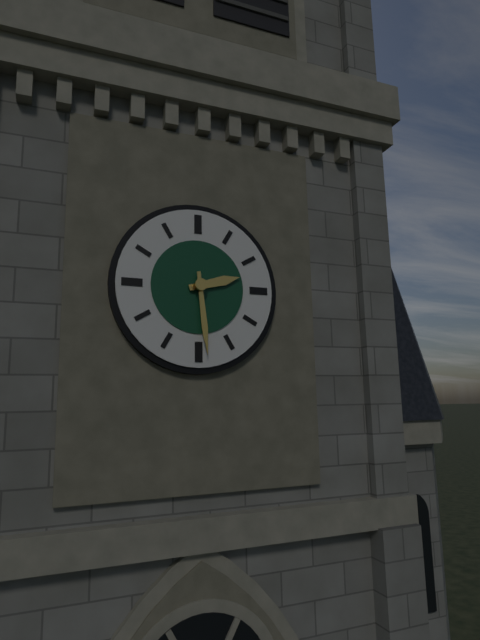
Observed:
{"hour": 2, "minute": 29}
